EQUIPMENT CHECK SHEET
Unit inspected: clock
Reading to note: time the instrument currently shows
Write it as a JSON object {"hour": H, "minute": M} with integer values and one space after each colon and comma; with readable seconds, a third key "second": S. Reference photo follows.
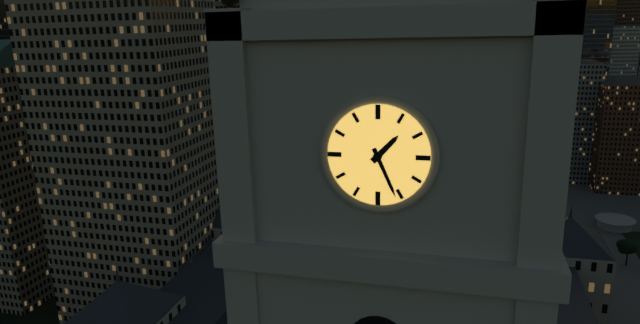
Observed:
{"hour": 1, "minute": 26}
